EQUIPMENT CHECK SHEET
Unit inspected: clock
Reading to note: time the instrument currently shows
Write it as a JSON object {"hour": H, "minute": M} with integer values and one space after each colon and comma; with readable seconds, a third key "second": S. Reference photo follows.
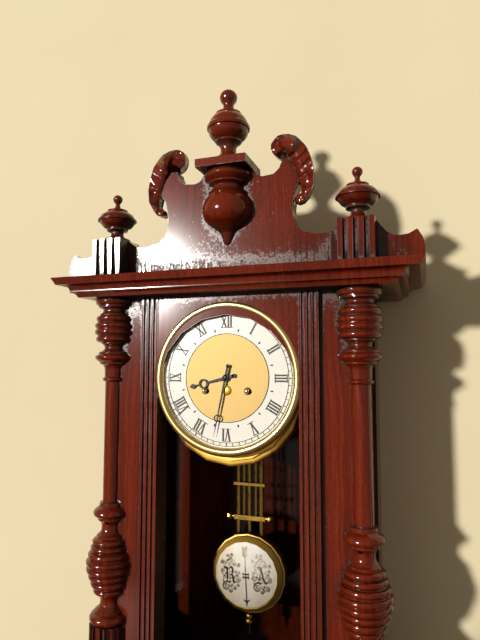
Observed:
{"hour": 8, "minute": 32}
